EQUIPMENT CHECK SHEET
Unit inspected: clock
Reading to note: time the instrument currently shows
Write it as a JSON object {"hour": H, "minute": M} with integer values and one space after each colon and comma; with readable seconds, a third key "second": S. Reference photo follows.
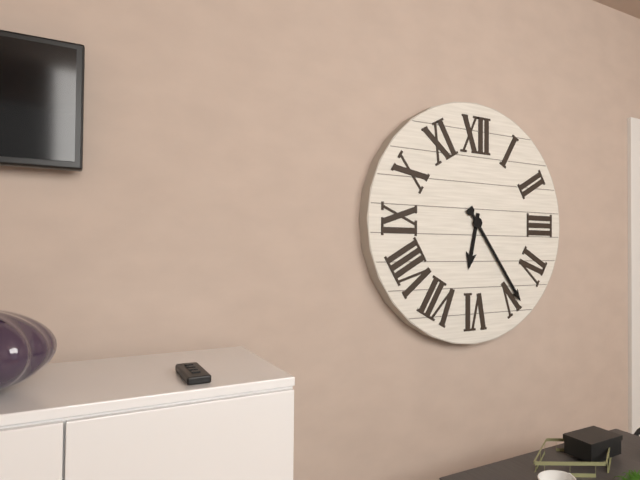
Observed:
{"hour": 6, "minute": 24}
